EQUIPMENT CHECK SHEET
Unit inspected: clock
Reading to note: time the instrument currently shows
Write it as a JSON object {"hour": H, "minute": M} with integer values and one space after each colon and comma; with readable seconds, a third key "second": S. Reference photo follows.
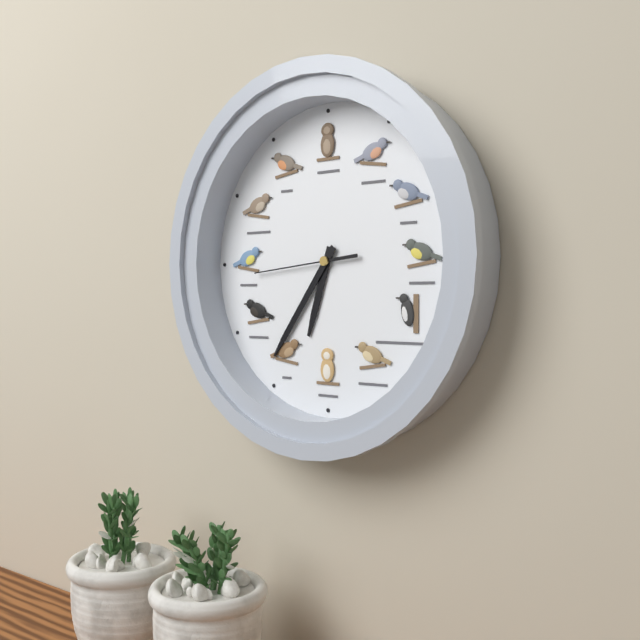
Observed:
{"hour": 6, "minute": 36, "second": 44}
